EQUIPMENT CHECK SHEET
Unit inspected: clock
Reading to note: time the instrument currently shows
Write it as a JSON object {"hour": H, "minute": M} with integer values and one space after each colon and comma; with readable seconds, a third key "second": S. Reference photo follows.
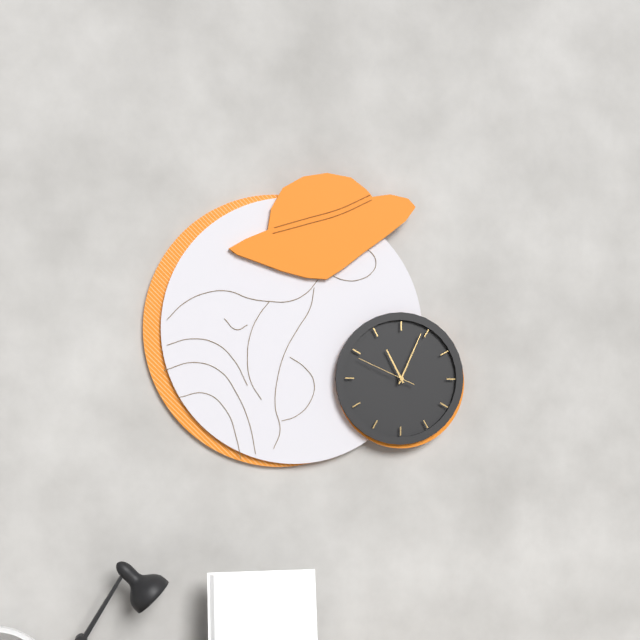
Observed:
{"hour": 11, "minute": 4, "second": 49}
